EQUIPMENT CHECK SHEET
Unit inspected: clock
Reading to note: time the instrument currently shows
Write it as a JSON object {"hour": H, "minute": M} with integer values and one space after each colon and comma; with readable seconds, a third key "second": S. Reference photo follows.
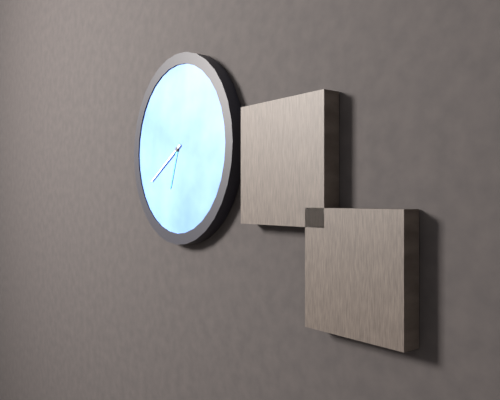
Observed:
{"hour": 6, "minute": 40}
